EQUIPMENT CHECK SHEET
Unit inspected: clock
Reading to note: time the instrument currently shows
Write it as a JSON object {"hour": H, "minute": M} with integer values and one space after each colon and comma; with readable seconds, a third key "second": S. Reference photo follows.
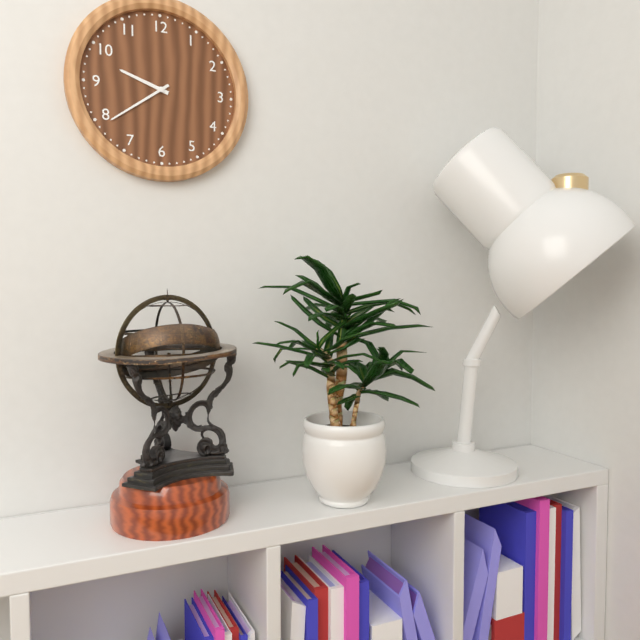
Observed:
{"hour": 9, "minute": 39}
